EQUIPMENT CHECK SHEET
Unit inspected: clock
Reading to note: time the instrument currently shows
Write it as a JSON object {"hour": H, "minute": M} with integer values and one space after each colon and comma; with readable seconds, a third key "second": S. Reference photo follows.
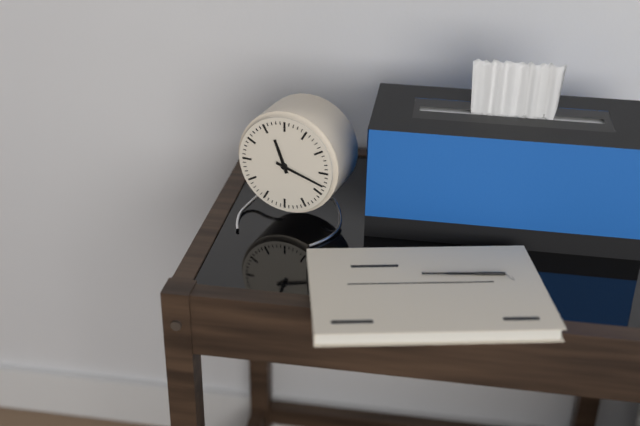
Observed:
{"hour": 11, "minute": 18}
